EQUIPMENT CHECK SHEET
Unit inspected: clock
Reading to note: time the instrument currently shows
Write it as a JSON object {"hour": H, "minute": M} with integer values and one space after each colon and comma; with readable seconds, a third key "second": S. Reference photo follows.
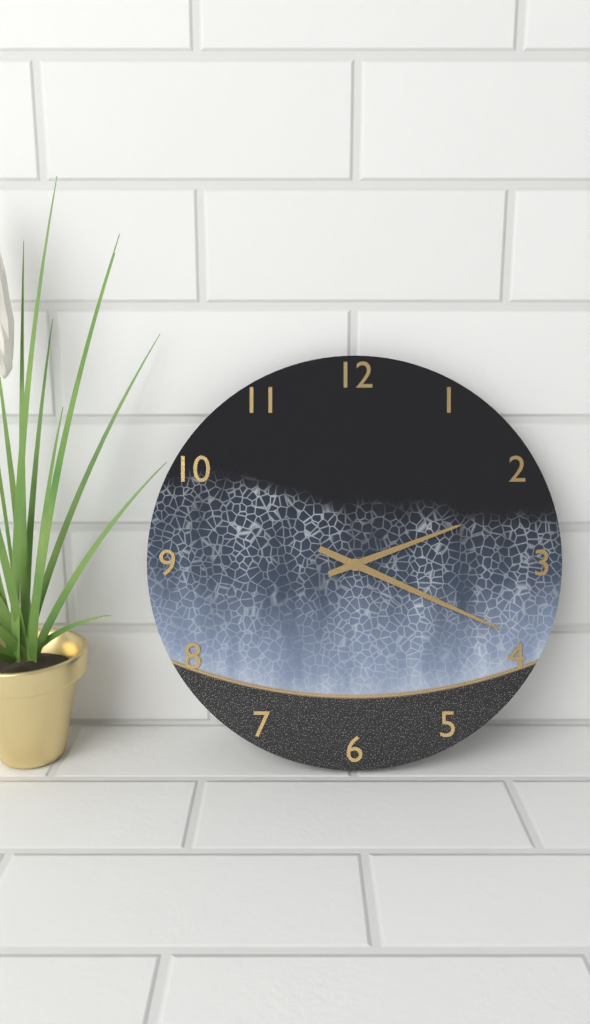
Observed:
{"hour": 2, "minute": 19}
